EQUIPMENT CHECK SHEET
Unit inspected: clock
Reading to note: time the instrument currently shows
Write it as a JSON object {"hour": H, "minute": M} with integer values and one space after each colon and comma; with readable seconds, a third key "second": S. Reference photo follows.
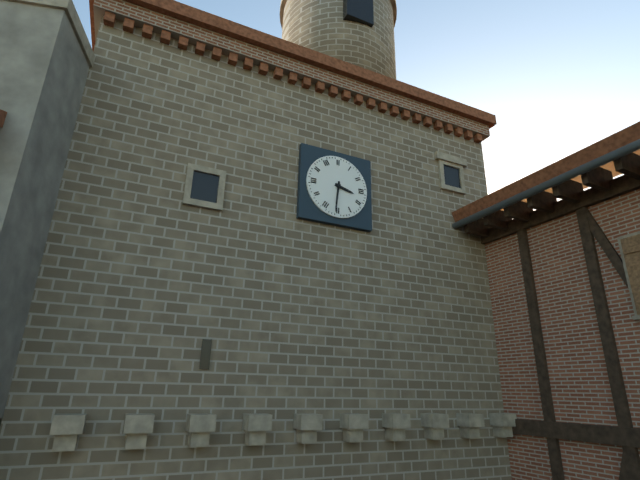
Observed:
{"hour": 3, "minute": 31}
